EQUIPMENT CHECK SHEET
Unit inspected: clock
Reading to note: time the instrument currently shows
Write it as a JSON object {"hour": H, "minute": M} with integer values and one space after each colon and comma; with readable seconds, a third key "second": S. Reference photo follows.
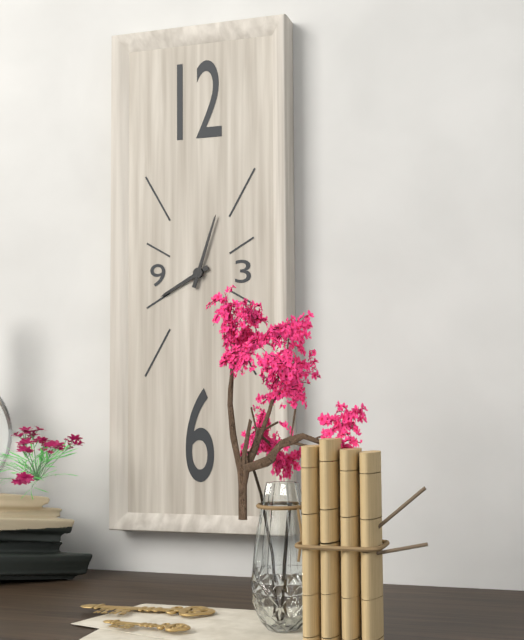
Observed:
{"hour": 8, "minute": 3}
